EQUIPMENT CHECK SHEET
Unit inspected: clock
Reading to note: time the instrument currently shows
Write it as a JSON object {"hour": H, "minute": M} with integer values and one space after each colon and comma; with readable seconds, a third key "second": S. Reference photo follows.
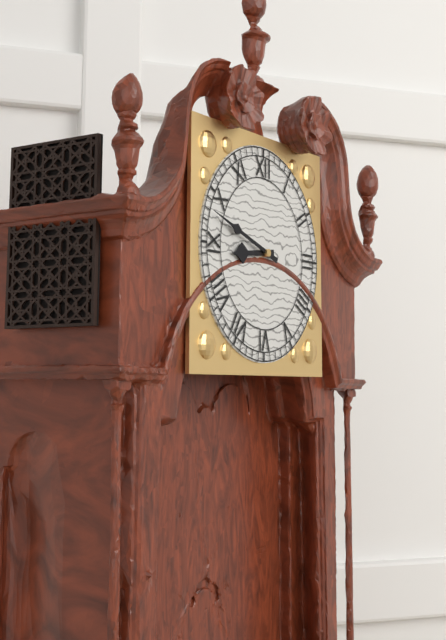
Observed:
{"hour": 8, "minute": 48}
